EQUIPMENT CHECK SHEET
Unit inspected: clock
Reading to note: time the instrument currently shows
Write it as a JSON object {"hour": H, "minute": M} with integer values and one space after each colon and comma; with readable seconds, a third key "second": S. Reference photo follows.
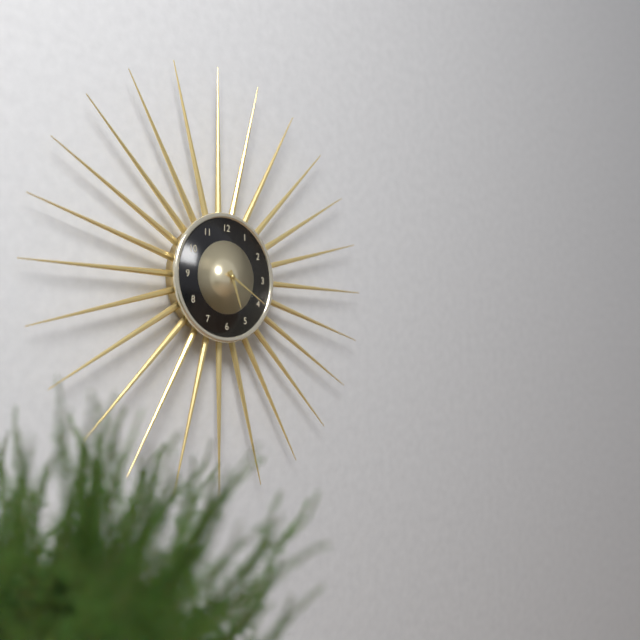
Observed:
{"hour": 5, "minute": 20}
